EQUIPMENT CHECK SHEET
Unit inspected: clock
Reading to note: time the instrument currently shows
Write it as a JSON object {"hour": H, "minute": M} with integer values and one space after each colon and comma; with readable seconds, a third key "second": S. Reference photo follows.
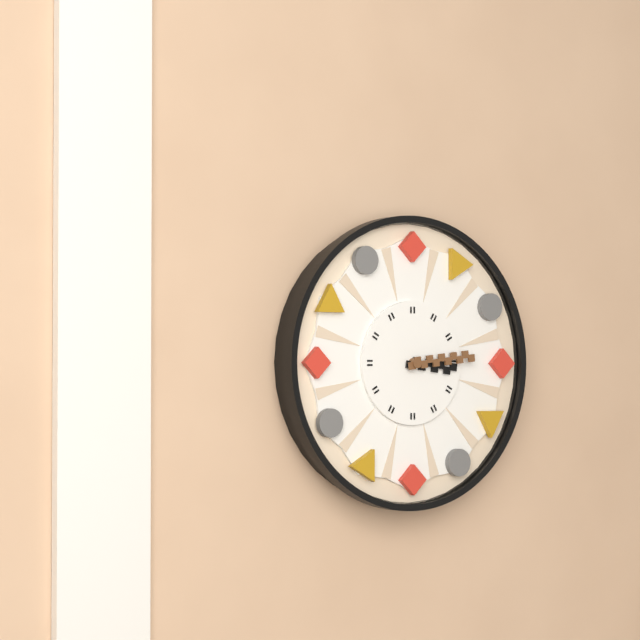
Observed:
{"hour": 3, "minute": 14}
